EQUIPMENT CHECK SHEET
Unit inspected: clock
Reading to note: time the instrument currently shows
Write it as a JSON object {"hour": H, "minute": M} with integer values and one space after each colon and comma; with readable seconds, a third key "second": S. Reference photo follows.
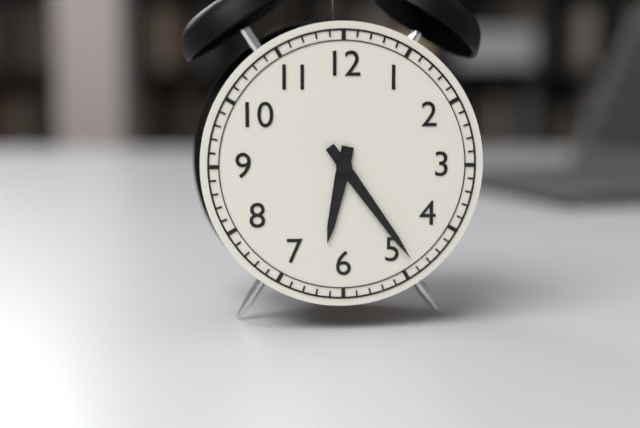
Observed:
{"hour": 6, "minute": 24}
